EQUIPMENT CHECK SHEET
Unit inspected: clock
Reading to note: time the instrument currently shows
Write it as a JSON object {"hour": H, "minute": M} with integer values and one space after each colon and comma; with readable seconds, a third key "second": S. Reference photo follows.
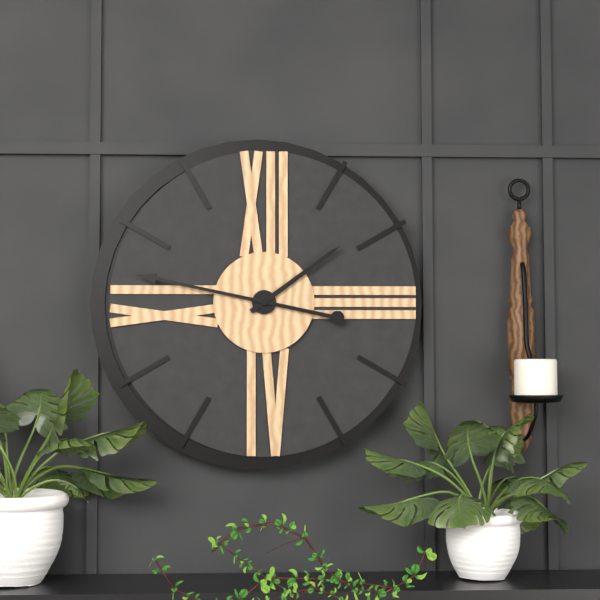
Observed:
{"hour": 1, "minute": 47}
